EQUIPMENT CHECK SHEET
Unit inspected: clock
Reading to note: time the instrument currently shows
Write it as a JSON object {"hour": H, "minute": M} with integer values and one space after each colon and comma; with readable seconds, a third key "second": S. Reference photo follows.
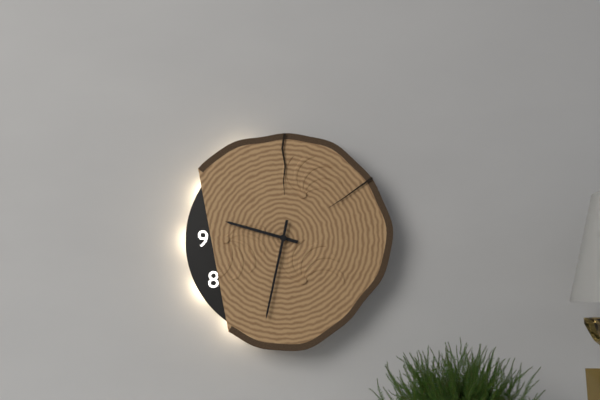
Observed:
{"hour": 9, "minute": 32}
